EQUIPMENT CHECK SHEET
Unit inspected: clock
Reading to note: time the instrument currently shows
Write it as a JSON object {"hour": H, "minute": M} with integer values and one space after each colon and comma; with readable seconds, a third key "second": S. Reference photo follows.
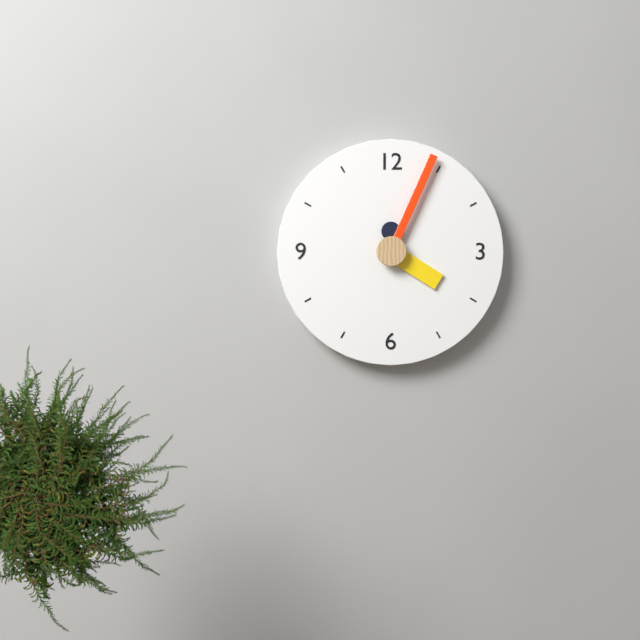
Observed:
{"hour": 4, "minute": 4}
